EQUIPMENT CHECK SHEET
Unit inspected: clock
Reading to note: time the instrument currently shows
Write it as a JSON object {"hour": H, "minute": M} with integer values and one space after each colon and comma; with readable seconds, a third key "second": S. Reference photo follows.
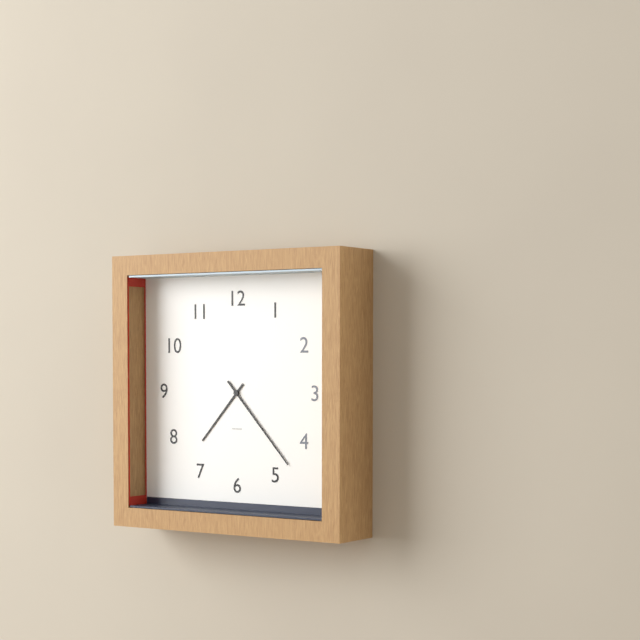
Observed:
{"hour": 7, "minute": 23}
